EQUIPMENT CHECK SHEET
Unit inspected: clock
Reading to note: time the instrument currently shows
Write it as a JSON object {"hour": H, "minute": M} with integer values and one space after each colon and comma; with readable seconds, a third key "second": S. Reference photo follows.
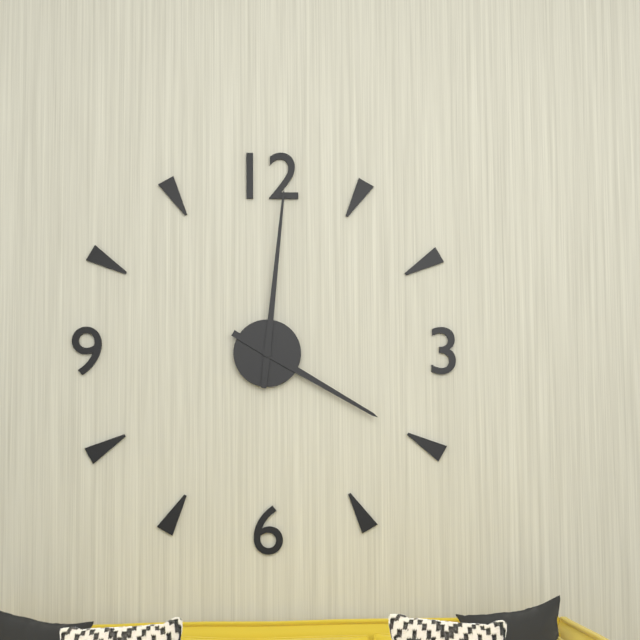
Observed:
{"hour": 4, "minute": 1}
